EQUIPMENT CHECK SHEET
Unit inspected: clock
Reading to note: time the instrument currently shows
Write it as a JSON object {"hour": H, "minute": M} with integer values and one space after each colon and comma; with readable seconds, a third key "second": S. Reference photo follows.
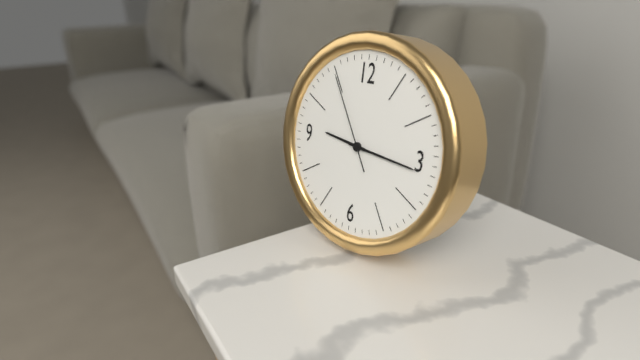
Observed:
{"hour": 9, "minute": 16, "second": 55}
